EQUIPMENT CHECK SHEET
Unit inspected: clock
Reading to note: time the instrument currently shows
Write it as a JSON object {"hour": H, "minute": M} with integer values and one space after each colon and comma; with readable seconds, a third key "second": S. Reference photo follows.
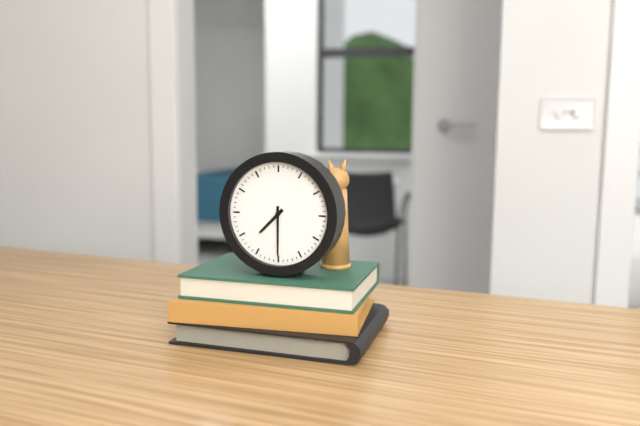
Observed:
{"hour": 7, "minute": 30}
